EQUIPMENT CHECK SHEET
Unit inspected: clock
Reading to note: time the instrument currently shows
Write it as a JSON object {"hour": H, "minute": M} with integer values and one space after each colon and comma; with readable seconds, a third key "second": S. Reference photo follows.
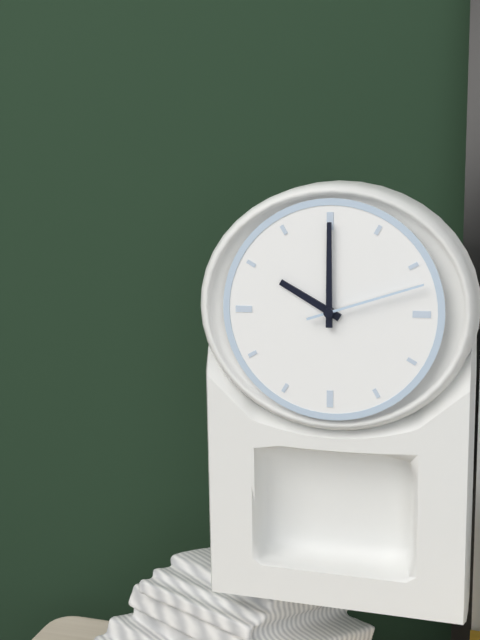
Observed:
{"hour": 10, "minute": 0, "second": 12}
